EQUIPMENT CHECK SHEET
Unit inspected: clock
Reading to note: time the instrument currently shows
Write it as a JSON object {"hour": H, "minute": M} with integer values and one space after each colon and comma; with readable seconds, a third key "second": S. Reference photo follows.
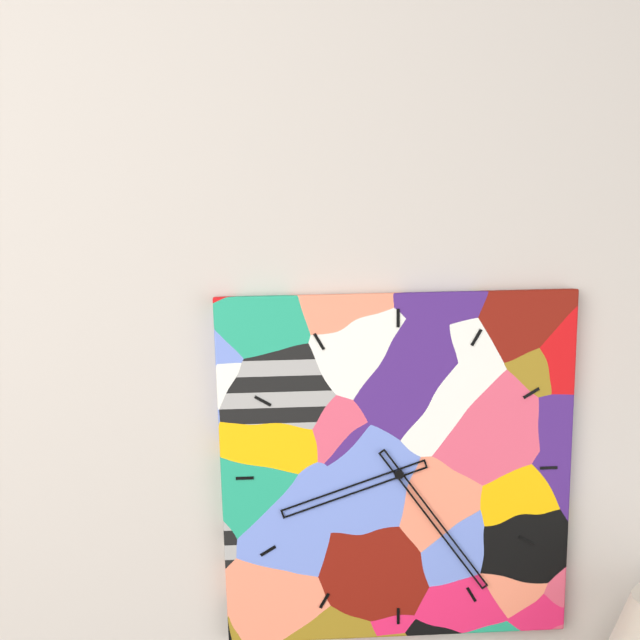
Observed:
{"hour": 8, "minute": 24}
